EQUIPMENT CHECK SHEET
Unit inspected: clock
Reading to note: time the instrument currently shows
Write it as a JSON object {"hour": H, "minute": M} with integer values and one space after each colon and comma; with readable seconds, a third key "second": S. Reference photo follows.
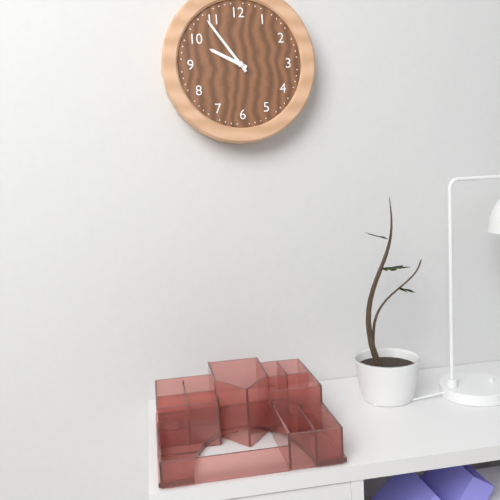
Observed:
{"hour": 9, "minute": 54}
